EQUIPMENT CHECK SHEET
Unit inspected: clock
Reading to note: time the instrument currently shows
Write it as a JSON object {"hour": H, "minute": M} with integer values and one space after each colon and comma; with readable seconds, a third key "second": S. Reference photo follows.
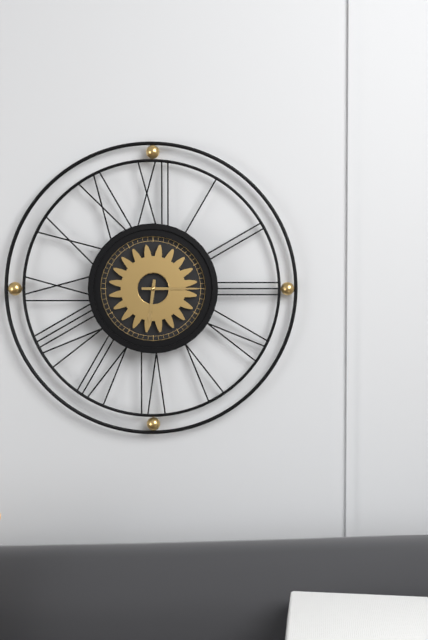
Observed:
{"hour": 6, "minute": 15}
